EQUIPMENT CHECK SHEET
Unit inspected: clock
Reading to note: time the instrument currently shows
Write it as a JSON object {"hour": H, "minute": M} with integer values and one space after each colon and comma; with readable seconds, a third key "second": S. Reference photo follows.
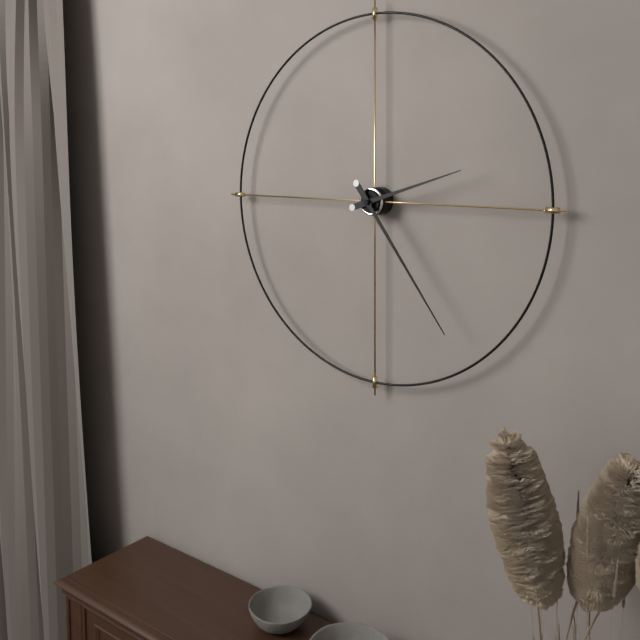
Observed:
{"hour": 2, "minute": 24}
